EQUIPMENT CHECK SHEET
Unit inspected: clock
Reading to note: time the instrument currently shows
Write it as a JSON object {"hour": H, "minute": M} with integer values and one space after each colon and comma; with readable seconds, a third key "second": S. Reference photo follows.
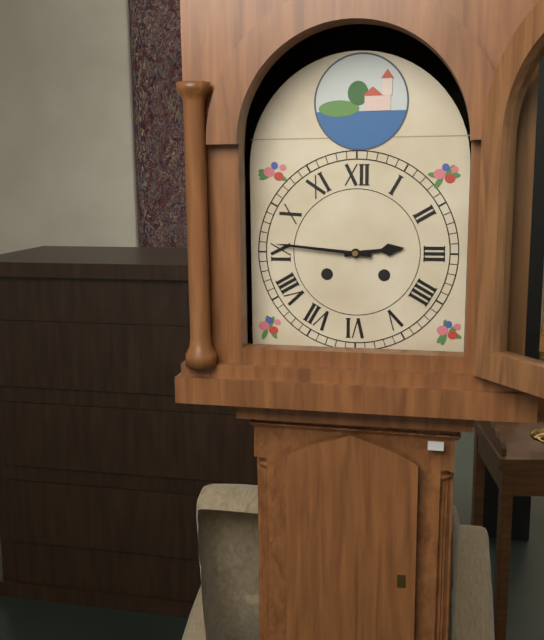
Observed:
{"hour": 2, "minute": 46}
